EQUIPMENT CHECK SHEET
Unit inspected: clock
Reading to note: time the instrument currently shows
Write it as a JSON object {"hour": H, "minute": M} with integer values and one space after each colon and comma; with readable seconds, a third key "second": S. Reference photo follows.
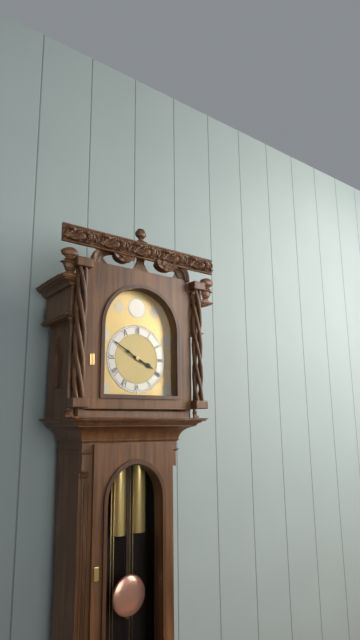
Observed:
{"hour": 3, "minute": 50}
